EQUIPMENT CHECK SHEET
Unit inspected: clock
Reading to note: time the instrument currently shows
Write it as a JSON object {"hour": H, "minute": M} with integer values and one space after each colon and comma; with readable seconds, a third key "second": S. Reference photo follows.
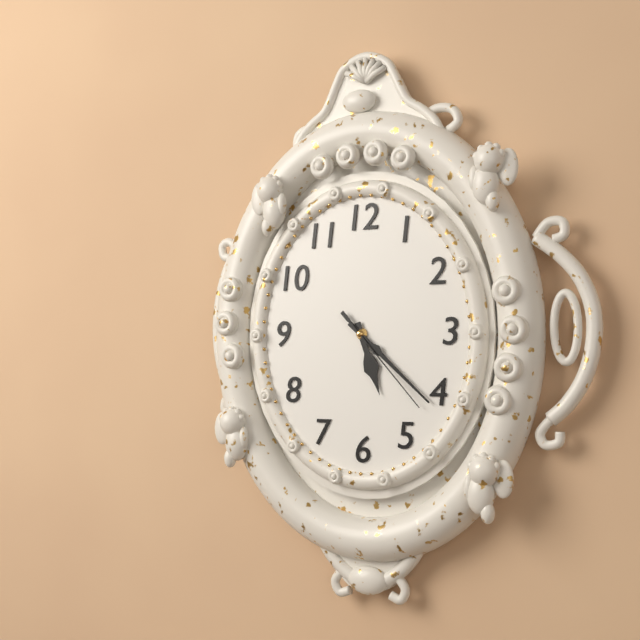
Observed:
{"hour": 5, "minute": 22, "second": 23}
